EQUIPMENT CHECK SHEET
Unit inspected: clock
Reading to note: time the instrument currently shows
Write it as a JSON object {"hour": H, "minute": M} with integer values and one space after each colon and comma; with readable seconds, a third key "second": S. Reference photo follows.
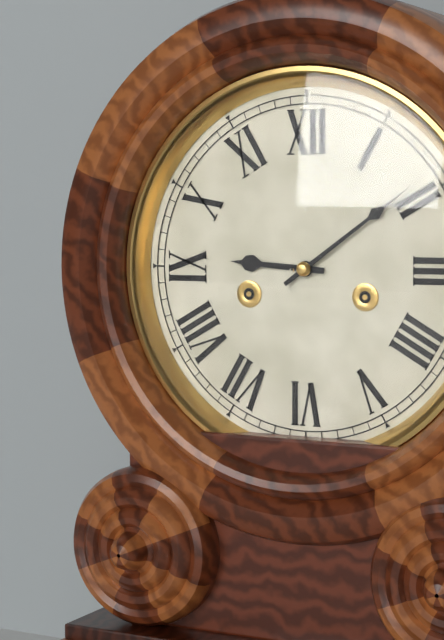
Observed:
{"hour": 9, "minute": 9}
